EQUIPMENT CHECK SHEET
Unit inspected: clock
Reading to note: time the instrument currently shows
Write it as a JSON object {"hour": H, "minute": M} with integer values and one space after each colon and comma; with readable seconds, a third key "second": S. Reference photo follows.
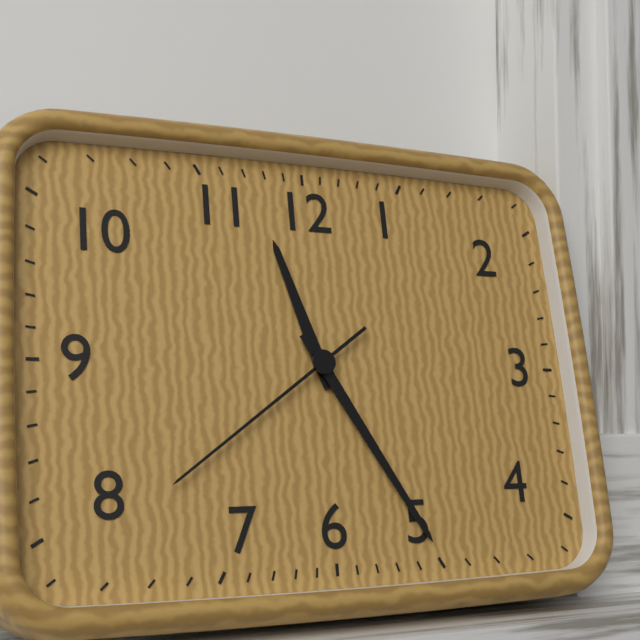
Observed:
{"hour": 11, "minute": 25, "second": 39}
